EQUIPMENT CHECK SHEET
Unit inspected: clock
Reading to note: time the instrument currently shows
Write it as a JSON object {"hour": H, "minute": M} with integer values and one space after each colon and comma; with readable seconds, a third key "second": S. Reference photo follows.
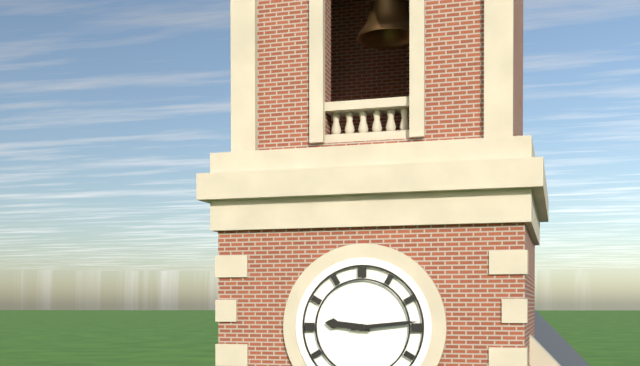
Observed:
{"hour": 9, "minute": 14}
